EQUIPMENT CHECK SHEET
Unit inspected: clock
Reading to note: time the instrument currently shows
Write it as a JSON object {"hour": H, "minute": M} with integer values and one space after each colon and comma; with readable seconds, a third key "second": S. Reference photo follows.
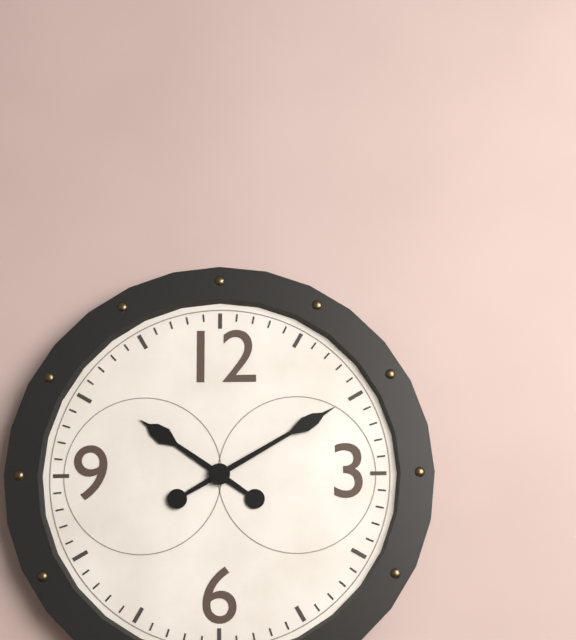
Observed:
{"hour": 10, "minute": 10}
